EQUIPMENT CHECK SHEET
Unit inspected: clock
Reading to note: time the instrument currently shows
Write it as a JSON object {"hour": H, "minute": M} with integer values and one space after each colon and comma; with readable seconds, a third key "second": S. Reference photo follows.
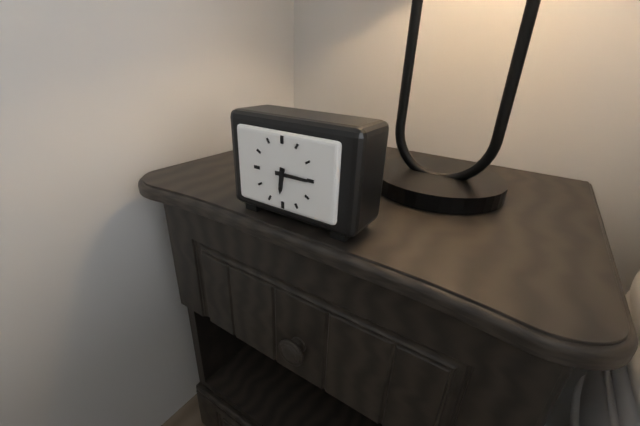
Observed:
{"hour": 6, "minute": 15}
